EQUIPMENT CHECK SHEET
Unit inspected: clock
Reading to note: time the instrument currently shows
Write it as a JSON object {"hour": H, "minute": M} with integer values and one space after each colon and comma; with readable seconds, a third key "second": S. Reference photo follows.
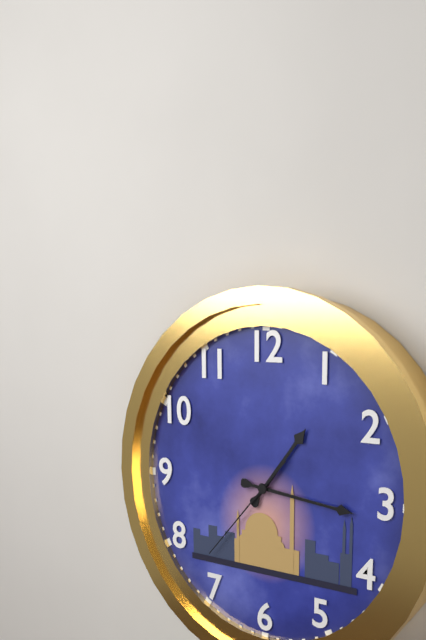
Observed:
{"hour": 1, "minute": 16, "second": 37}
